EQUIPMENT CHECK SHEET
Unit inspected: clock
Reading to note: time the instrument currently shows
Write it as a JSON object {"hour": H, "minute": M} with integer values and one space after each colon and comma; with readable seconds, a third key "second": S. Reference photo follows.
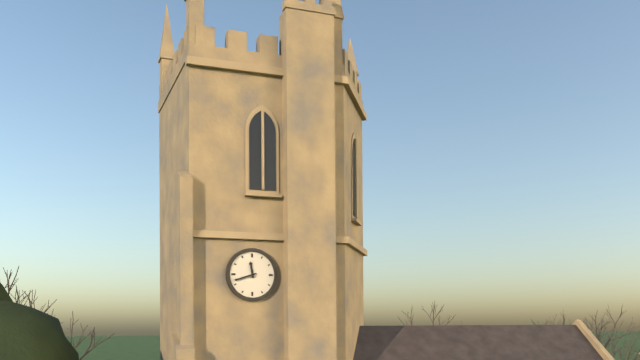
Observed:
{"hour": 11, "minute": 42}
